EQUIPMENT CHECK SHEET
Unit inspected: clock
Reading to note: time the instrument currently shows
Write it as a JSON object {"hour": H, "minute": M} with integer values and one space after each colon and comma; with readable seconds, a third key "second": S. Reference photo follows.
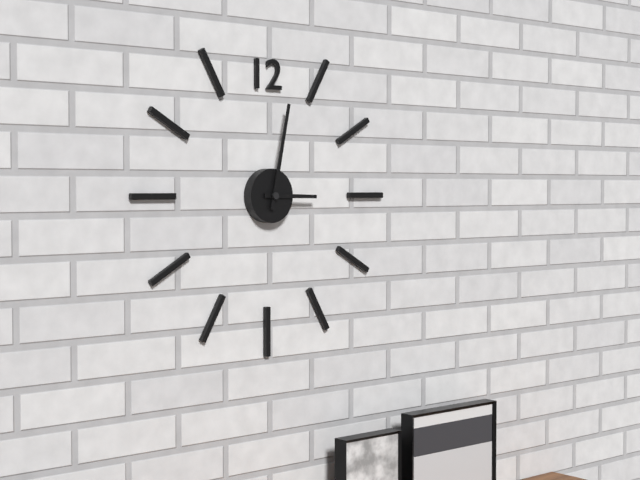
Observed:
{"hour": 3, "minute": 2}
